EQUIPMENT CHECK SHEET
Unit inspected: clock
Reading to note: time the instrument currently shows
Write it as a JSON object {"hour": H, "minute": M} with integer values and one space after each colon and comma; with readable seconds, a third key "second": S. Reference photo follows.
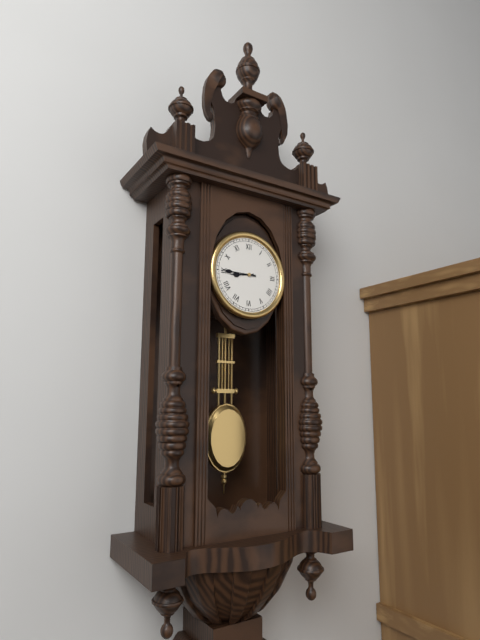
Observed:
{"hour": 8, "minute": 45}
